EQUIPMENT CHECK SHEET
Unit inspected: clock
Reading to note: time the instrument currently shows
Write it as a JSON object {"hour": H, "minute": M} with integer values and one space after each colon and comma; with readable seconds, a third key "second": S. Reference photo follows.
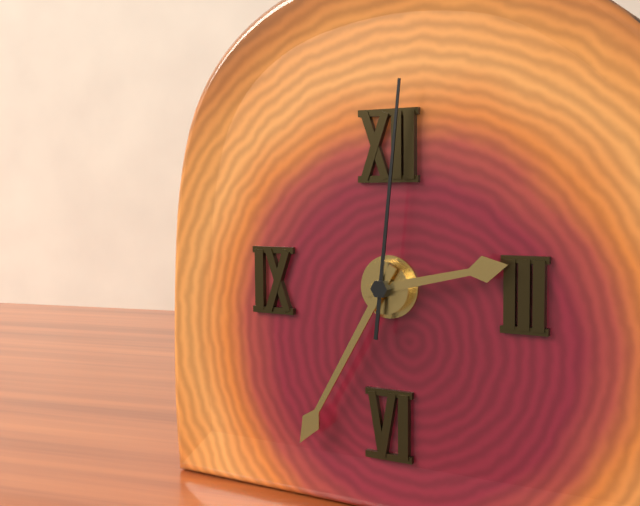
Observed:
{"hour": 2, "minute": 35, "second": 1}
